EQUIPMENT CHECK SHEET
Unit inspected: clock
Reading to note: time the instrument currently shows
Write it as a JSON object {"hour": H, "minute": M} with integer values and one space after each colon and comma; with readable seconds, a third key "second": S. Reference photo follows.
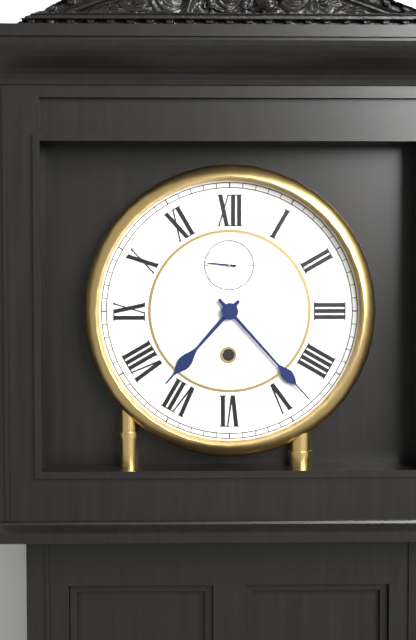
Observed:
{"hour": 7, "minute": 23}
